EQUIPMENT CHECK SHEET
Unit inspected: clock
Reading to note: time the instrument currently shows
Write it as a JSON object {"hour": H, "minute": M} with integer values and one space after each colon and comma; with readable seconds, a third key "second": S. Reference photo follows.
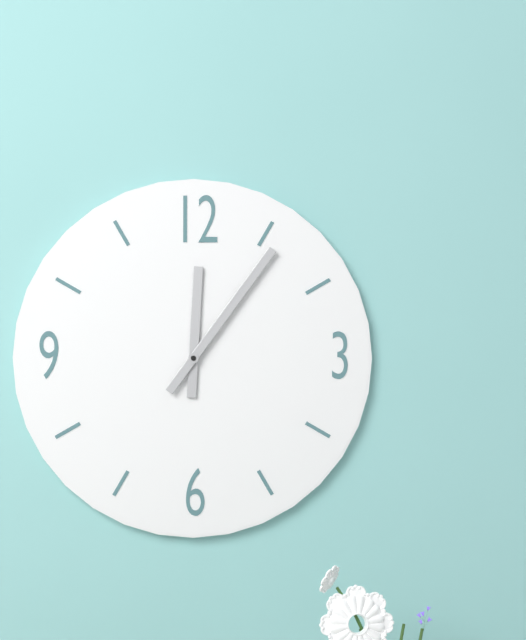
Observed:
{"hour": 12, "minute": 6}
